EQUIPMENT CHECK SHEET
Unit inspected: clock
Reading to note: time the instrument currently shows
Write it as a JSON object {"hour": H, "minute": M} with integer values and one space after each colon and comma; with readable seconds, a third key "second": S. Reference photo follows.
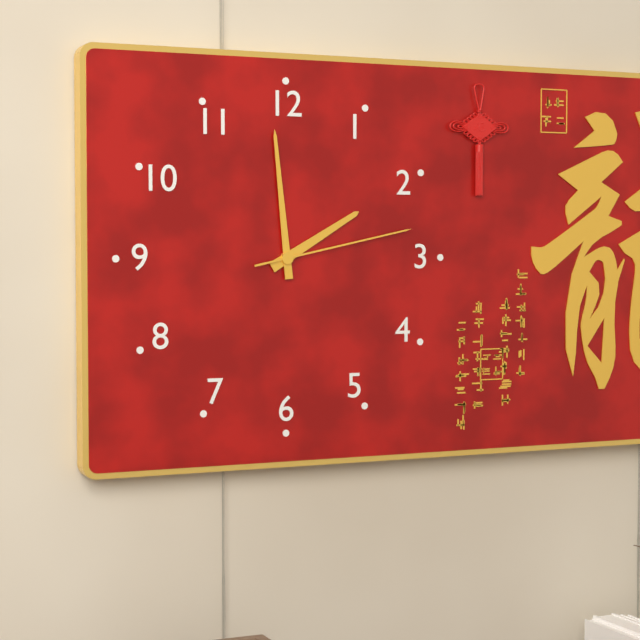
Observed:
{"hour": 1, "minute": 59, "second": 13}
